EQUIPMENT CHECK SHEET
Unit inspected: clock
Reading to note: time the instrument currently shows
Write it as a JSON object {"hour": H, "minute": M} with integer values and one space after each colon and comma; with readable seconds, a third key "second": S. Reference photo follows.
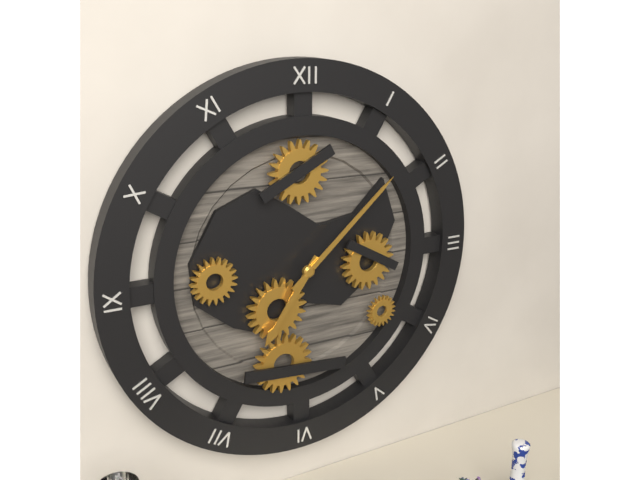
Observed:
{"hour": 7, "minute": 8}
